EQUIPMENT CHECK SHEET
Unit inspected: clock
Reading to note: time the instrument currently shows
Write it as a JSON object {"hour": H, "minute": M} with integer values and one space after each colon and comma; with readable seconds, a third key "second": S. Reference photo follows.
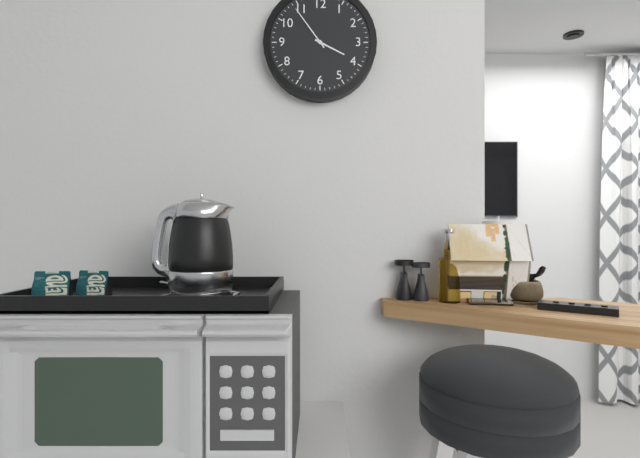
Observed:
{"hour": 3, "minute": 54}
